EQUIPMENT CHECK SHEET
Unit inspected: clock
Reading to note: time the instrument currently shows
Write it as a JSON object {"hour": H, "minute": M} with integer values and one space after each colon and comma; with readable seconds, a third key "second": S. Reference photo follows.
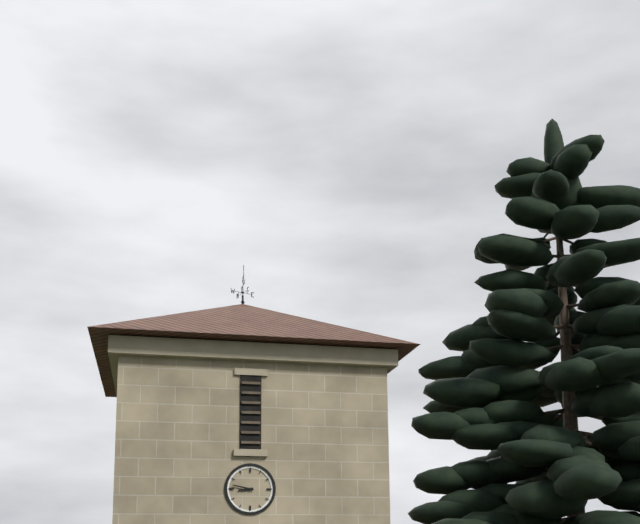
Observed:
{"hour": 8, "minute": 47}
